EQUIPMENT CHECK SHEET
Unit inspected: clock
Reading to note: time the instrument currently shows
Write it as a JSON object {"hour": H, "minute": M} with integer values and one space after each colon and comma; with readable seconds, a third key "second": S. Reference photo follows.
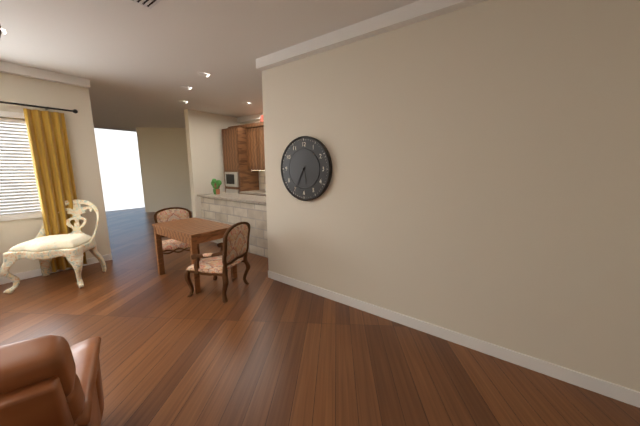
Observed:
{"hour": 5, "minute": 35}
